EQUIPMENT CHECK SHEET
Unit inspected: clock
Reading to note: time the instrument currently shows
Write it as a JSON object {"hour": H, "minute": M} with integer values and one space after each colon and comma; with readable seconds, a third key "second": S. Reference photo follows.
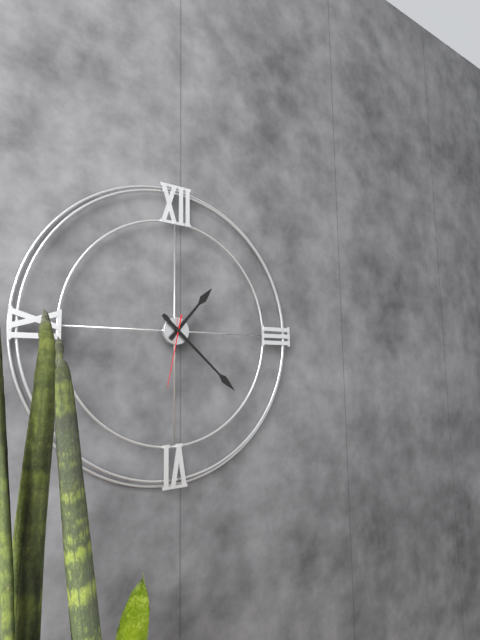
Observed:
{"hour": 1, "minute": 22, "second": 32}
